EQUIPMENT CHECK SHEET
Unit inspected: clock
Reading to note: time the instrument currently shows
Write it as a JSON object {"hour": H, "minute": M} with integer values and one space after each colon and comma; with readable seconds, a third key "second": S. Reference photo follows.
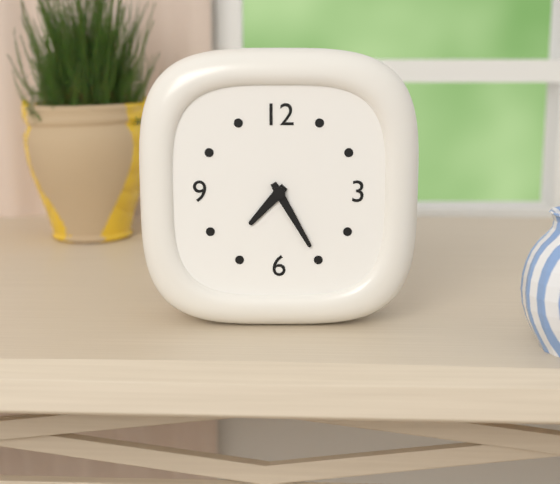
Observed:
{"hour": 7, "minute": 25}
